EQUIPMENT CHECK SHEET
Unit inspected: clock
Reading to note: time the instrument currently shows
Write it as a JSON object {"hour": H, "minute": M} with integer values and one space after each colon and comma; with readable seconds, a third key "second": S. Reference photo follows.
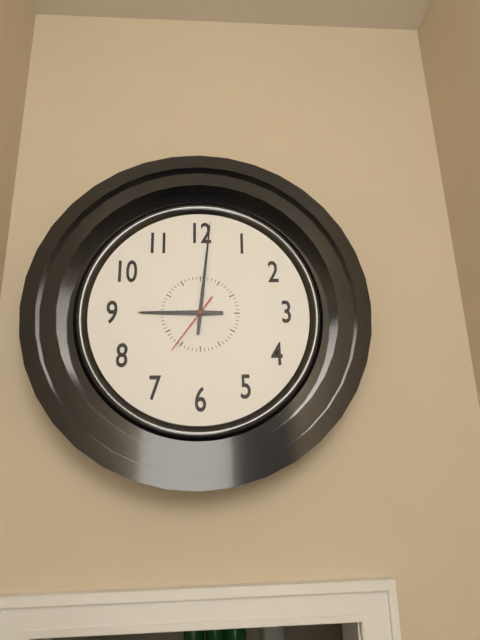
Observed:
{"hour": 9, "minute": 1, "second": 36}
